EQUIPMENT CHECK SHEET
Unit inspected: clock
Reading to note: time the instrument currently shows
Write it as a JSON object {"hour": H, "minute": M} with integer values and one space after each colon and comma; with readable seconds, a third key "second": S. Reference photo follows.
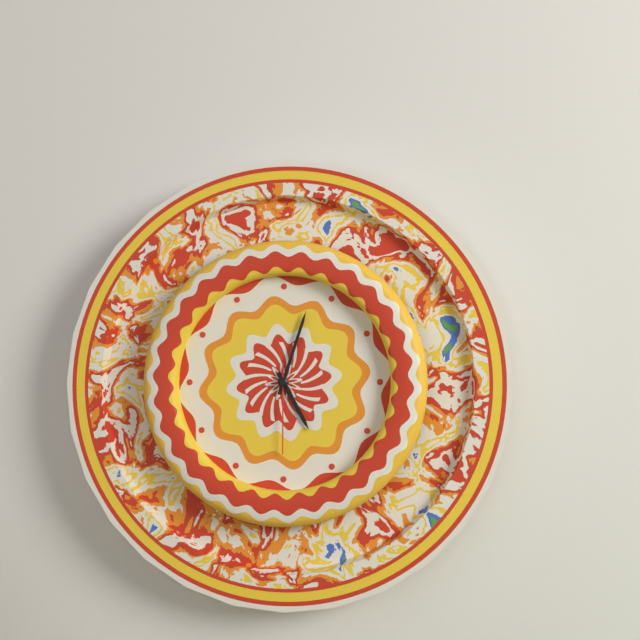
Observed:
{"hour": 5, "minute": 3, "second": 30}
